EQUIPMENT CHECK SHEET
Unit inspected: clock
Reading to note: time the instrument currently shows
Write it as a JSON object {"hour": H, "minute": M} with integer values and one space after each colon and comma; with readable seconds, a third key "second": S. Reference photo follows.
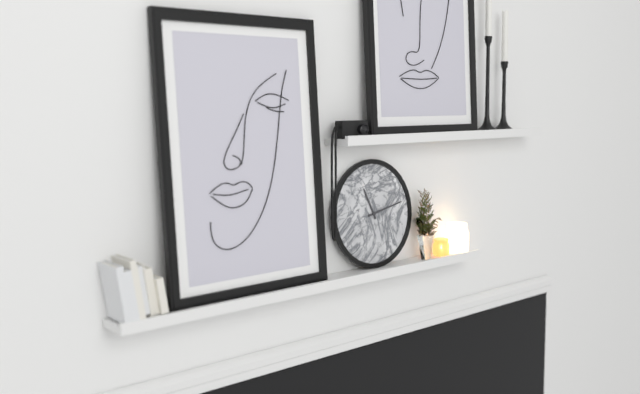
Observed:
{"hour": 11, "minute": 13}
